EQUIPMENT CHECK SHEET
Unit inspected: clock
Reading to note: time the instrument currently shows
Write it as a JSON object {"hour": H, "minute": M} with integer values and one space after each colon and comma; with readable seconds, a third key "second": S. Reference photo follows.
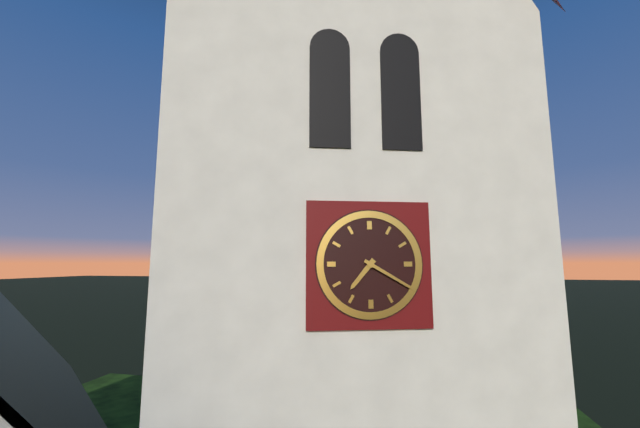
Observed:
{"hour": 7, "minute": 20}
